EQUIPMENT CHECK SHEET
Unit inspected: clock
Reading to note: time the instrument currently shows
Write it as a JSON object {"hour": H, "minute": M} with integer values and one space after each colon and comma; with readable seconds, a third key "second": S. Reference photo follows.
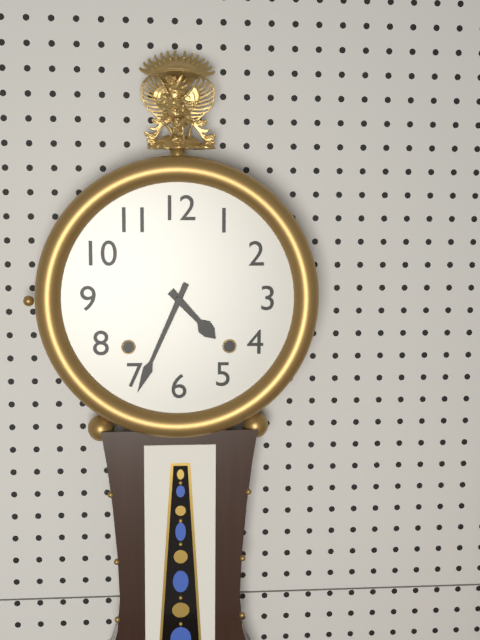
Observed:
{"hour": 4, "minute": 34}
